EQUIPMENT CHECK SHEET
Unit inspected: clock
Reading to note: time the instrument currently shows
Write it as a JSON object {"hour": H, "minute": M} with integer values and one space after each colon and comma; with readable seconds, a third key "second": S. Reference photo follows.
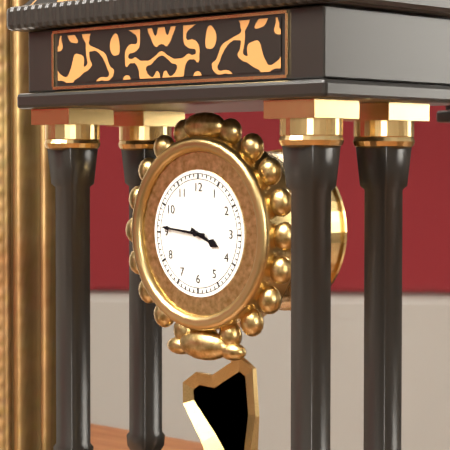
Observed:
{"hour": 3, "minute": 46}
